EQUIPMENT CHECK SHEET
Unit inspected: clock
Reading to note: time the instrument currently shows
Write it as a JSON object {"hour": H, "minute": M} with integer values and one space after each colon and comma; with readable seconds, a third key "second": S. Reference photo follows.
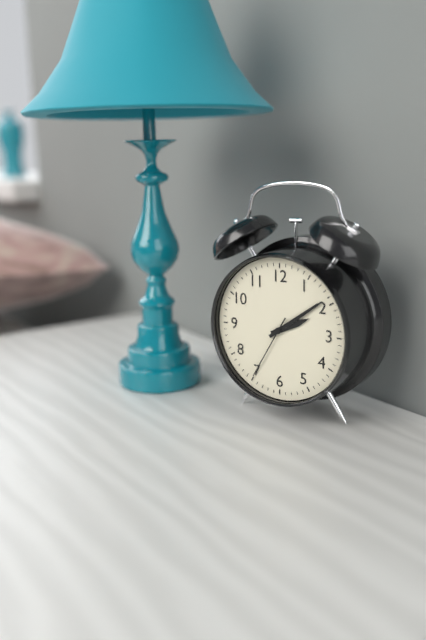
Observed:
{"hour": 2, "minute": 9, "second": 35}
